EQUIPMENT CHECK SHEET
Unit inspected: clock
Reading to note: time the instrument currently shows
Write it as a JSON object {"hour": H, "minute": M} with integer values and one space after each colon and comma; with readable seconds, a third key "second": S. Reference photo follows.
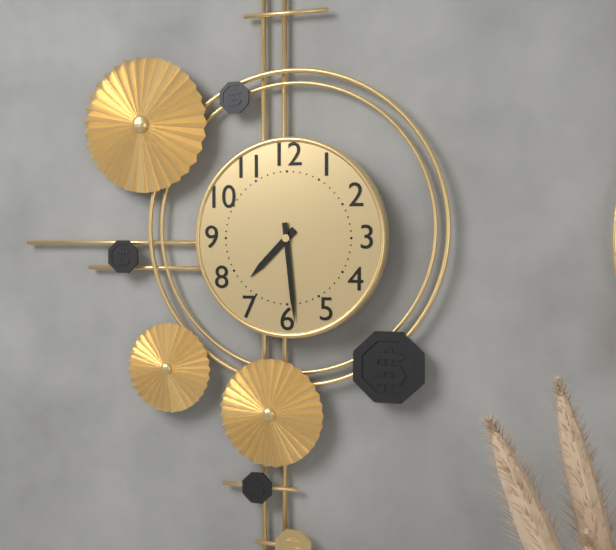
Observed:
{"hour": 7, "minute": 29}
